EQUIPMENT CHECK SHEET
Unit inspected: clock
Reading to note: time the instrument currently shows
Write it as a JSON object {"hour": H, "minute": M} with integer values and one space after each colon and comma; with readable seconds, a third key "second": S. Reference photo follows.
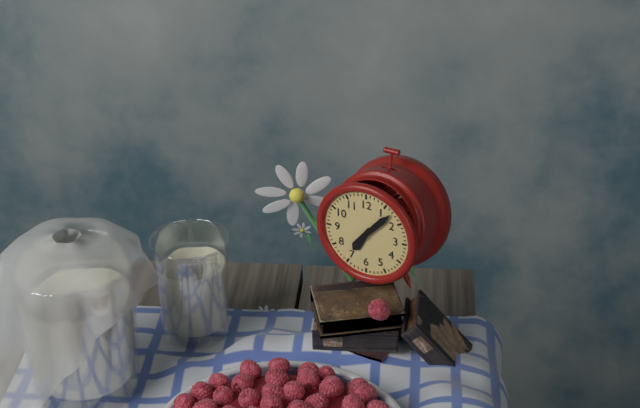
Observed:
{"hour": 7, "minute": 7}
